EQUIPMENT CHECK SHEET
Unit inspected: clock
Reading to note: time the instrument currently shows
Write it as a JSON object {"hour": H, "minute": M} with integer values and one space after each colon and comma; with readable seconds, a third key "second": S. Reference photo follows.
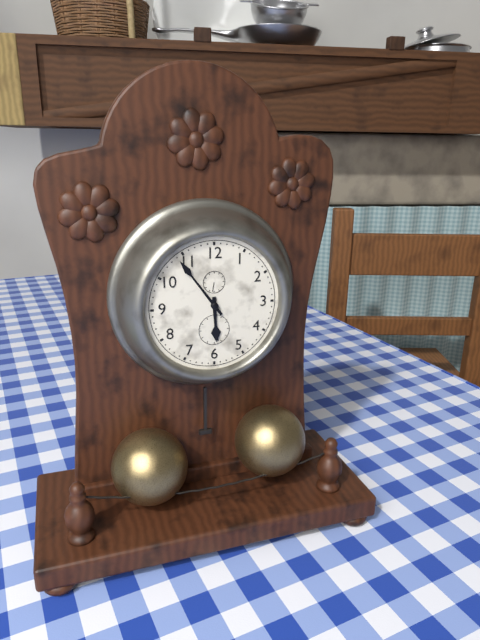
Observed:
{"hour": 5, "minute": 54}
